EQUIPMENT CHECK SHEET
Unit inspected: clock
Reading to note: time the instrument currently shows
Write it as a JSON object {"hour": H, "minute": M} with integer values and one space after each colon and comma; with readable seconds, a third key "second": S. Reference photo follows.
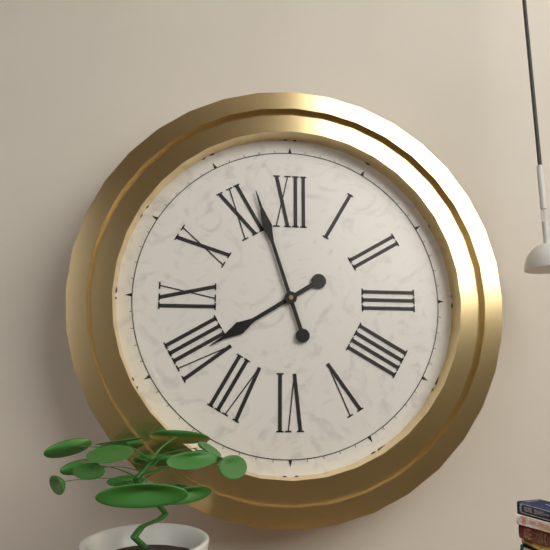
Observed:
{"hour": 7, "minute": 57}
